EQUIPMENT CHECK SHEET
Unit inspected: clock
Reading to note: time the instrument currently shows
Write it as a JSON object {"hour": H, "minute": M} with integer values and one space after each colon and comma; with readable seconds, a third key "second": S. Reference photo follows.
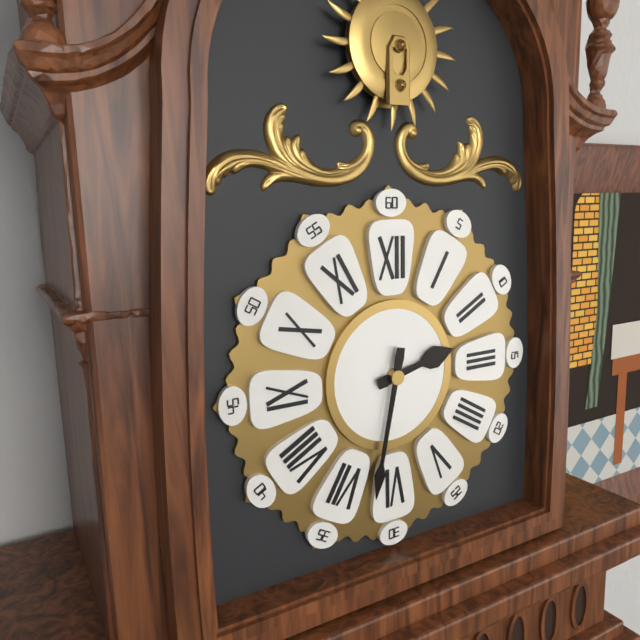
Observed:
{"hour": 2, "minute": 32}
